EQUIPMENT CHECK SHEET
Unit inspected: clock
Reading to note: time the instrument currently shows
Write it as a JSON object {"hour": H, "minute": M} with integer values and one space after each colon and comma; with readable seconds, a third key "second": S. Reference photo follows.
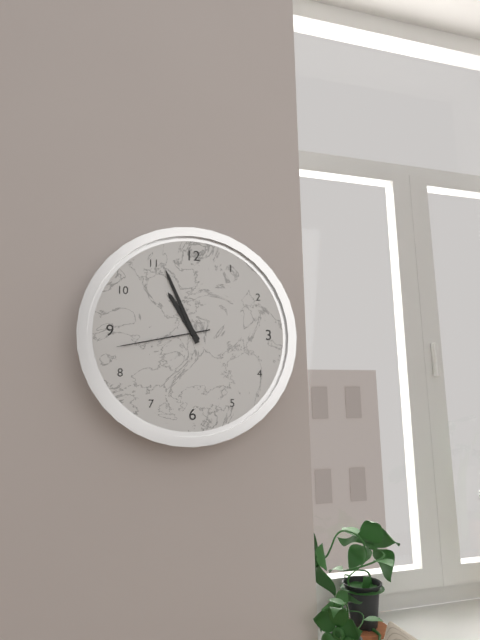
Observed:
{"hour": 10, "minute": 56, "second": 43}
